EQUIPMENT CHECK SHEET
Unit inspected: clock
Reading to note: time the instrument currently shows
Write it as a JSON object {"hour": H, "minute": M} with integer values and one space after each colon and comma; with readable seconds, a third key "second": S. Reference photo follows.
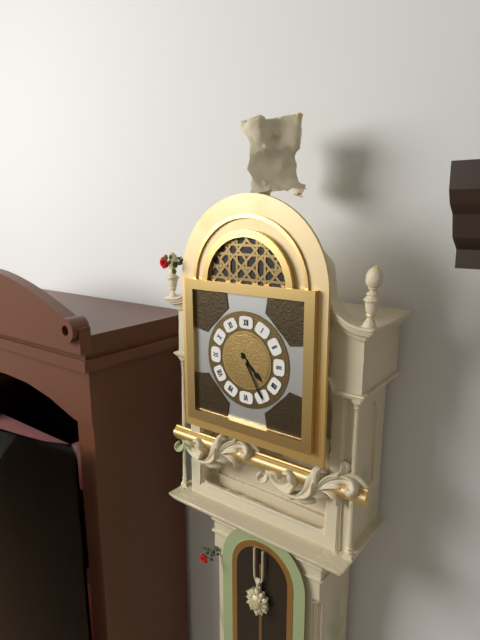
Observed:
{"hour": 4, "minute": 25}
